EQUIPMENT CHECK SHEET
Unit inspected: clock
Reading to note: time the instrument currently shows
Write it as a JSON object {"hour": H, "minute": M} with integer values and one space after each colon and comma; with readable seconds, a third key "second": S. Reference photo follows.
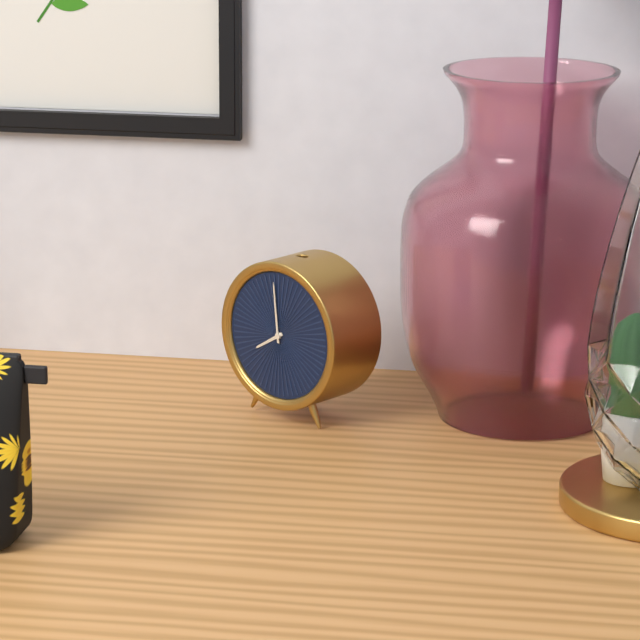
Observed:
{"hour": 7, "minute": 59}
